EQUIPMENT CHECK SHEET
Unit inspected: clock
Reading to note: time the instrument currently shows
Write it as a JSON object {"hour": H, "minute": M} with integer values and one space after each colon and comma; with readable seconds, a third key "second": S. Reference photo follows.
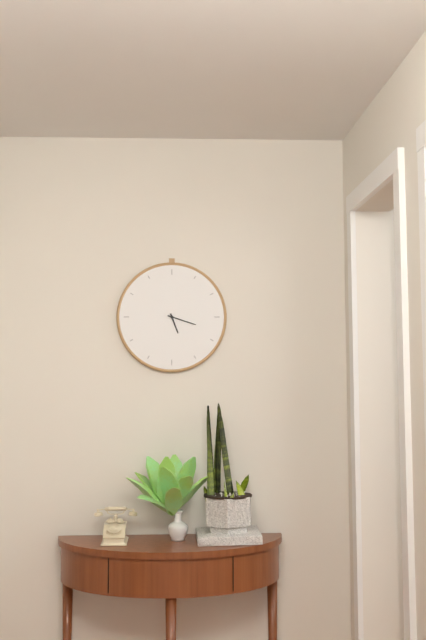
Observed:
{"hour": 5, "minute": 18}
